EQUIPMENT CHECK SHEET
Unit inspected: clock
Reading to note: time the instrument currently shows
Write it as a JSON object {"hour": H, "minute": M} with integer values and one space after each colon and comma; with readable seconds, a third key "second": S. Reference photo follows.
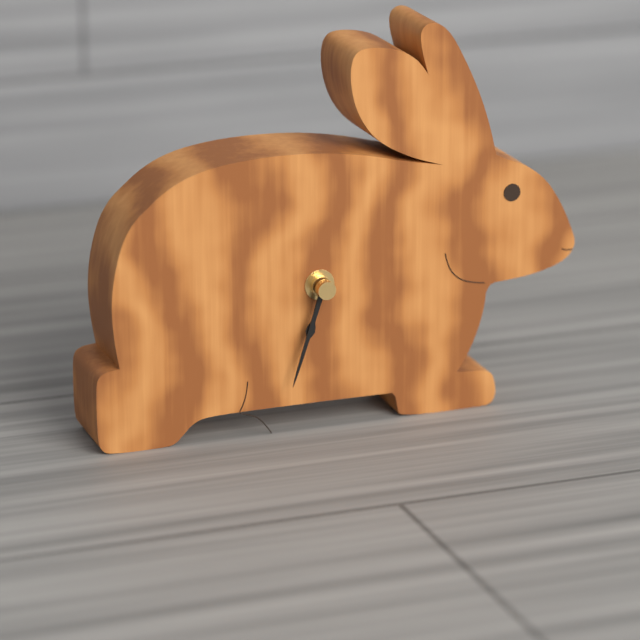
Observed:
{"hour": 6, "minute": 33}
